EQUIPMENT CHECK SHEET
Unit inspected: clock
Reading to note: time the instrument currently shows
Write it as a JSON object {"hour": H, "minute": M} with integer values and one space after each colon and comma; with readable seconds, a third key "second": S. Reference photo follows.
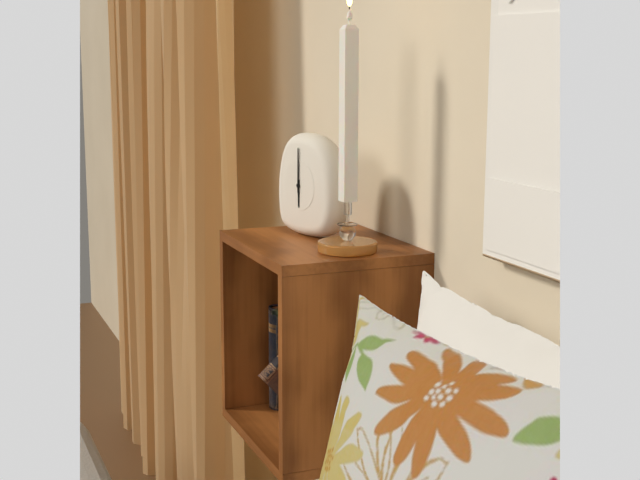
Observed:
{"hour": 6, "minute": 0}
